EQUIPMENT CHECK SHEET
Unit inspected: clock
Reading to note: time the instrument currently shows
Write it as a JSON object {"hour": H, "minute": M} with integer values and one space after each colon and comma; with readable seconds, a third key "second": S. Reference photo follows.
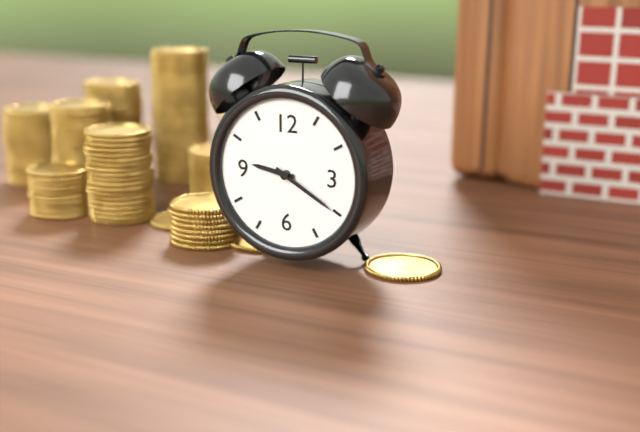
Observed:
{"hour": 9, "minute": 20}
